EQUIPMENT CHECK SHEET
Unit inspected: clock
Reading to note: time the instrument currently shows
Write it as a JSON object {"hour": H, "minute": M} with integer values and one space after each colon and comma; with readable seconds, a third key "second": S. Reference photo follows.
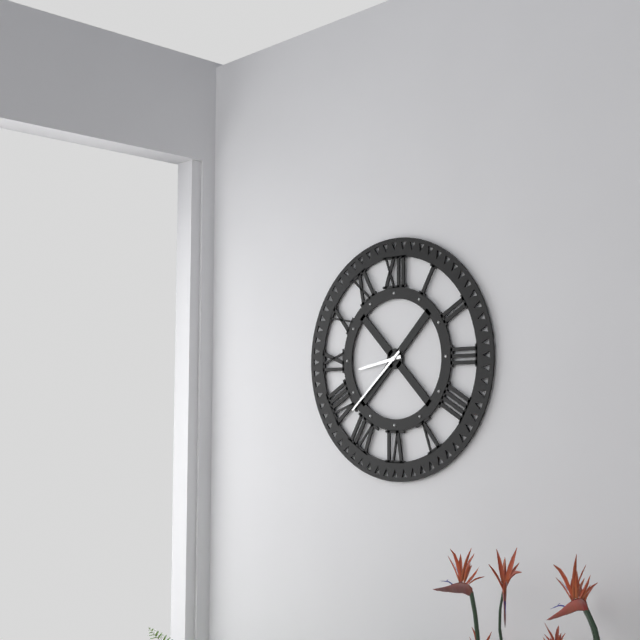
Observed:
{"hour": 8, "minute": 38}
